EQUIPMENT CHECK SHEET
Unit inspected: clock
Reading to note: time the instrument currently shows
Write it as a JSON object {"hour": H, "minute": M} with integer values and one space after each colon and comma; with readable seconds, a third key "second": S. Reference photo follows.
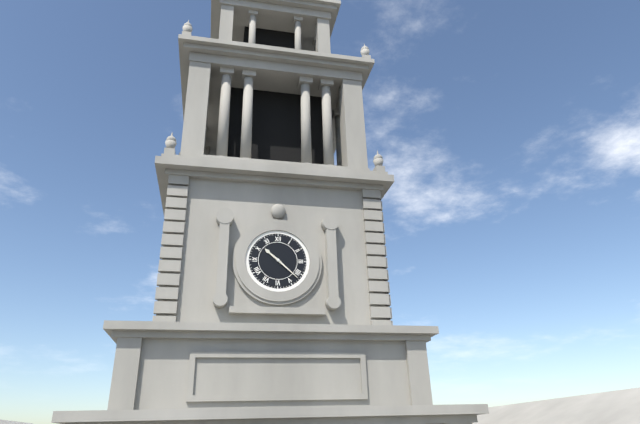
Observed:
{"hour": 10, "minute": 22}
